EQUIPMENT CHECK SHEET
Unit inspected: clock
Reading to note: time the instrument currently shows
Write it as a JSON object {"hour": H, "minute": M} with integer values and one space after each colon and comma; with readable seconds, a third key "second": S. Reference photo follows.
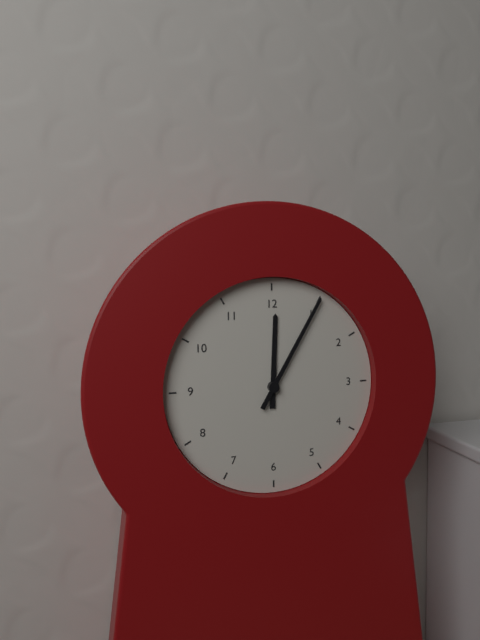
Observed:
{"hour": 12, "minute": 5}
